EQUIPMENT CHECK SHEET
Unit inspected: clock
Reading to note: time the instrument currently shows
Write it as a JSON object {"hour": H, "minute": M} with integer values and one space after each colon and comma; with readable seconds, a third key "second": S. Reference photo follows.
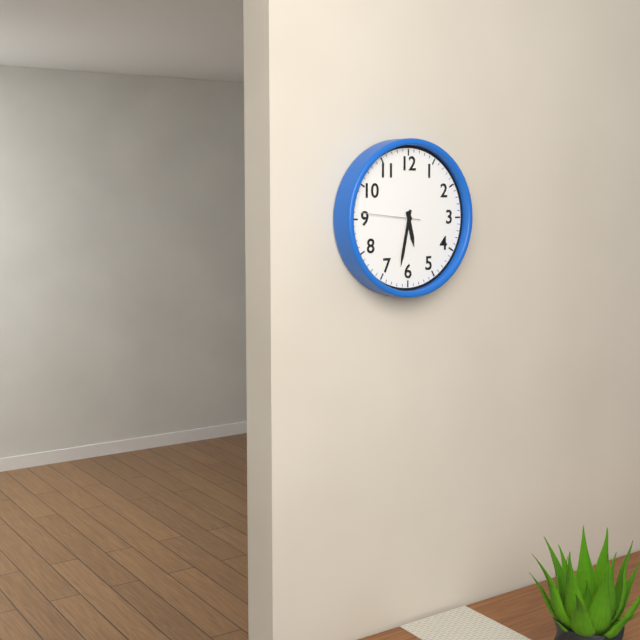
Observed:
{"hour": 5, "minute": 32, "second": 46}
